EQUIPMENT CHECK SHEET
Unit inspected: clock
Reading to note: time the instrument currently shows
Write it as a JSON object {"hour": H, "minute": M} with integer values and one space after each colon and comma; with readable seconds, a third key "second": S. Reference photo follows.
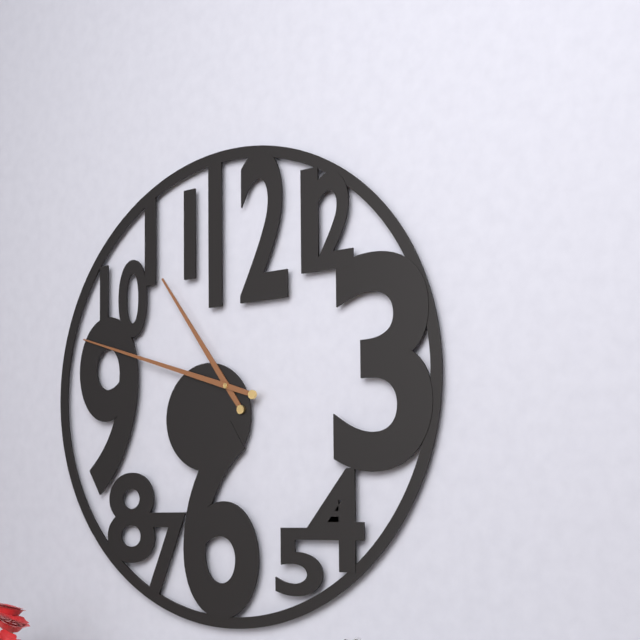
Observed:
{"hour": 10, "minute": 48}
